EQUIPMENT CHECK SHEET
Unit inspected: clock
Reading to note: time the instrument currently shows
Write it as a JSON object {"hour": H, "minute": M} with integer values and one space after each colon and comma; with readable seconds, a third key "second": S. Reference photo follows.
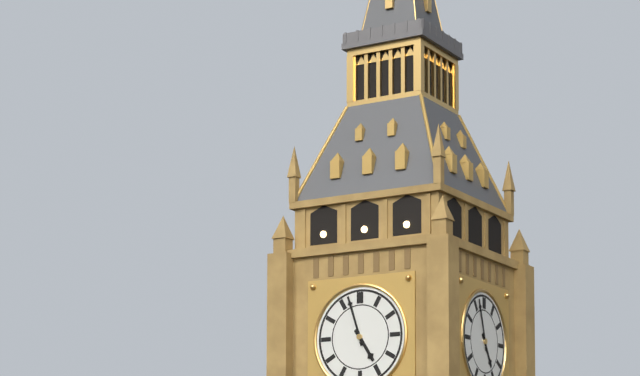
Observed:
{"hour": 4, "minute": 57}
